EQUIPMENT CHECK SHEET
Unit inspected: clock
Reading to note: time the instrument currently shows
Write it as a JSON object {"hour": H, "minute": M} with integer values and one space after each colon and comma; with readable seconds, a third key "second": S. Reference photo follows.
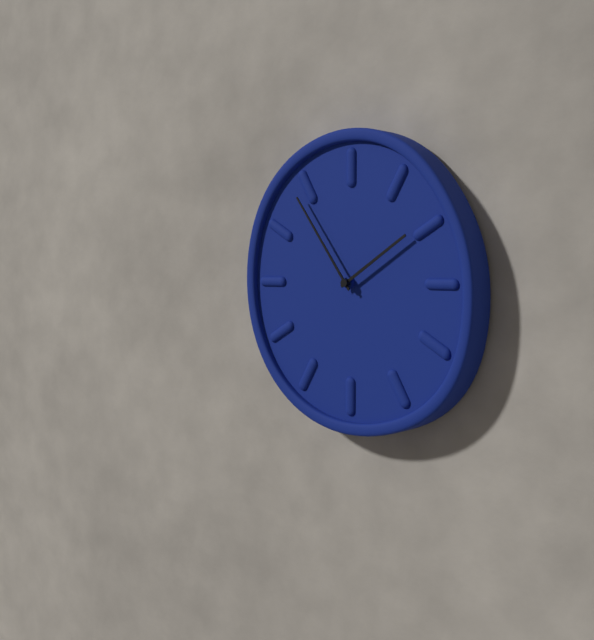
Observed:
{"hour": 1, "minute": 54}
